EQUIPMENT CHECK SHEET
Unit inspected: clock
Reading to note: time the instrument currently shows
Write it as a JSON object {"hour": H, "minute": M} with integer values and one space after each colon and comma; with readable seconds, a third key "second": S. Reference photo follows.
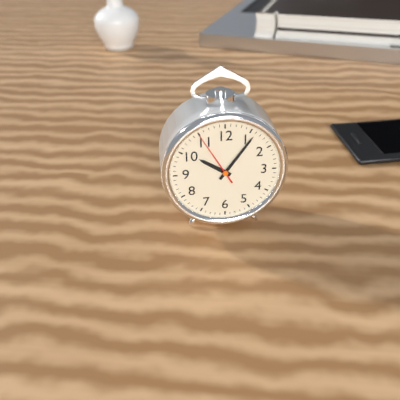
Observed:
{"hour": 10, "minute": 6, "second": 55}
